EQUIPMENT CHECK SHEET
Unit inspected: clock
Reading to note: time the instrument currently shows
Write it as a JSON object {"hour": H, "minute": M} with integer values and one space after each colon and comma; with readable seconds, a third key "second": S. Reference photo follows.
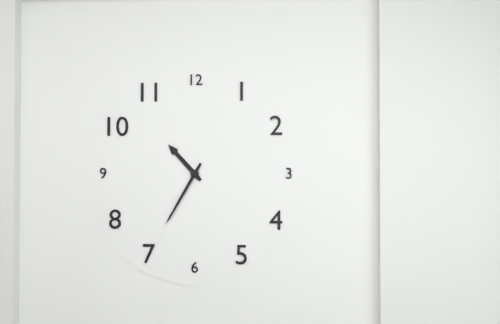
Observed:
{"hour": 10, "minute": 35}
